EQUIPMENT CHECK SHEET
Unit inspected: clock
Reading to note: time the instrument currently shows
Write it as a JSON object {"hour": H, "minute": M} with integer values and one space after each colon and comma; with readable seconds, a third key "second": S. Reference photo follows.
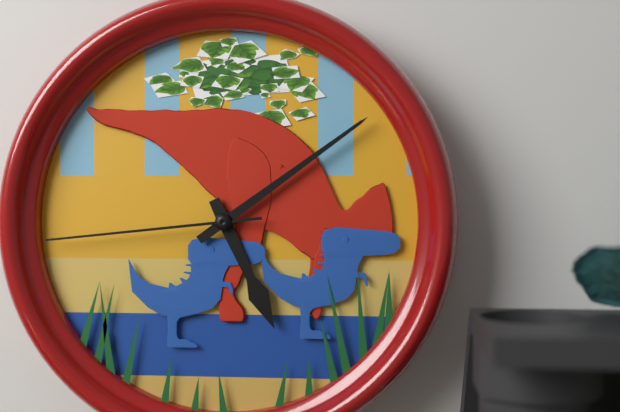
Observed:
{"hour": 5, "minute": 9, "second": 44}
